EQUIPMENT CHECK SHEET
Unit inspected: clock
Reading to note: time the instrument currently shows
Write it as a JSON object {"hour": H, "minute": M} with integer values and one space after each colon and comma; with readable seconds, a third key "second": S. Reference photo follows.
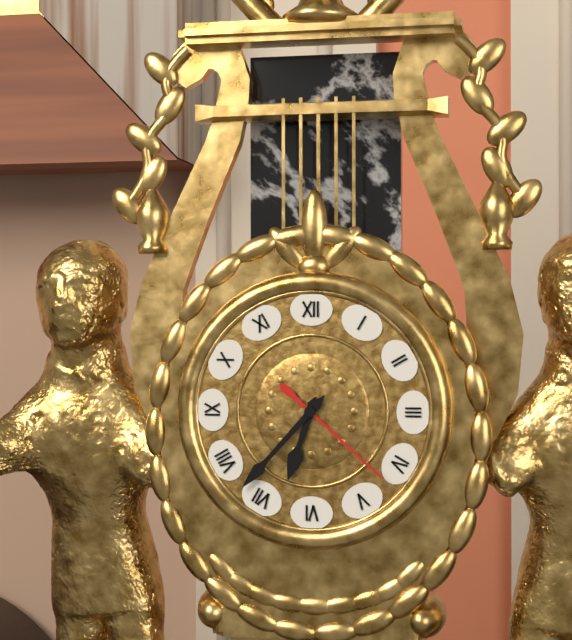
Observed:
{"hour": 6, "minute": 37, "second": 22}
